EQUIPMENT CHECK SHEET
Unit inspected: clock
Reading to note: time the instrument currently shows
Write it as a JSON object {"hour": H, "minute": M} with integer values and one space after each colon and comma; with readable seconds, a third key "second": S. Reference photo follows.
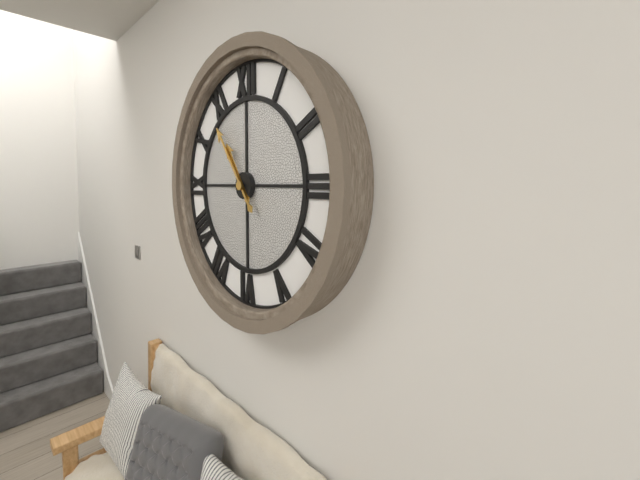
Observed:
{"hour": 10, "minute": 54}
